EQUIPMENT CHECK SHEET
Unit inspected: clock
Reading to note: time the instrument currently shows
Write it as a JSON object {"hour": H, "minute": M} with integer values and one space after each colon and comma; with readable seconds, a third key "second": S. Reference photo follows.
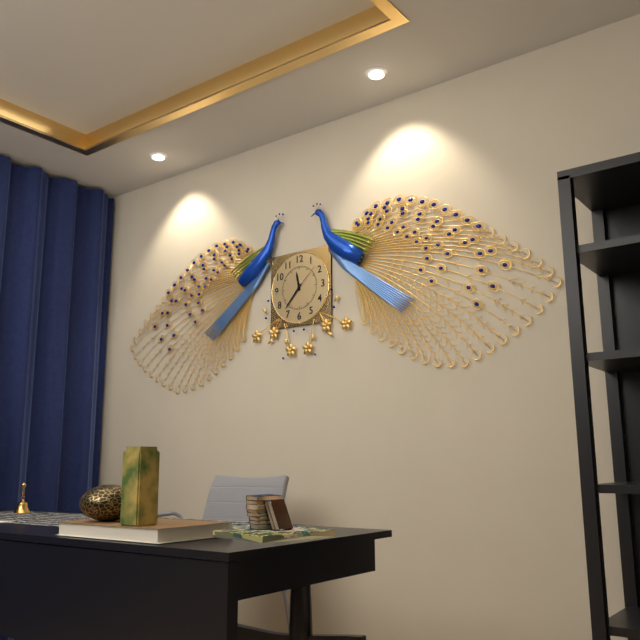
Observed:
{"hour": 11, "minute": 37}
